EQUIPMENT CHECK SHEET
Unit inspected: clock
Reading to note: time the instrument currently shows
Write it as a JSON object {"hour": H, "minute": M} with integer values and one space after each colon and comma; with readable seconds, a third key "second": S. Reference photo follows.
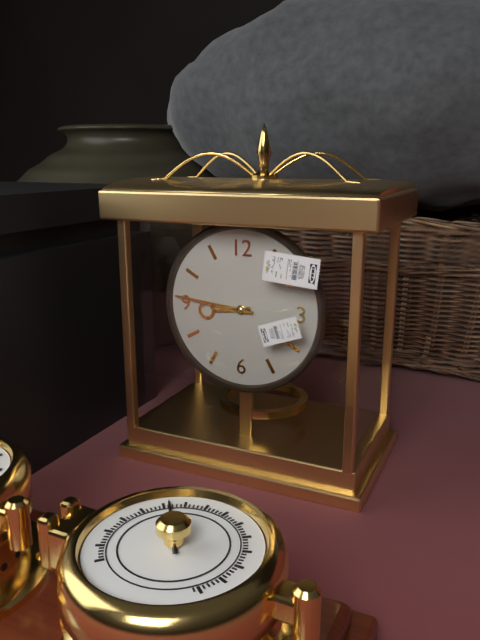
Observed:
{"hour": 8, "minute": 46}
